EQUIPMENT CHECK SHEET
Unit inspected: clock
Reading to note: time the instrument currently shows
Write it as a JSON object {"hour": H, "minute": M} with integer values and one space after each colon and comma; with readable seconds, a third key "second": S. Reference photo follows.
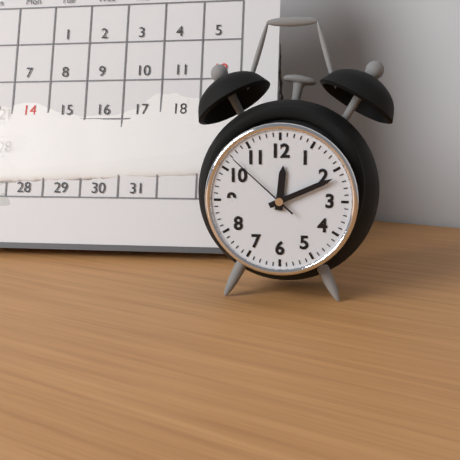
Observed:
{"hour": 12, "minute": 11, "second": 52}
